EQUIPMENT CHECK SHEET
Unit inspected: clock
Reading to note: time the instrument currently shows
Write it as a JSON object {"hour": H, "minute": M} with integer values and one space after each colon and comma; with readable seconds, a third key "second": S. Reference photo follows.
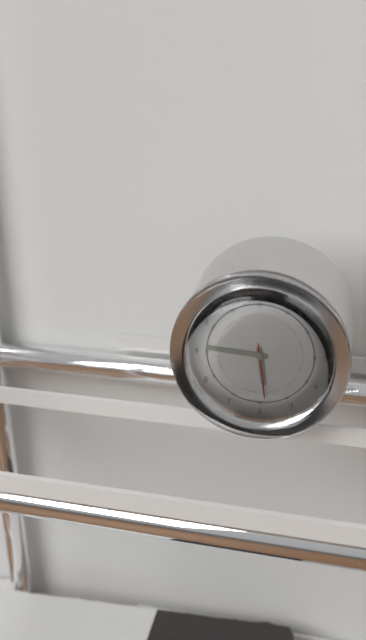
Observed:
{"hour": 5, "minute": 46, "second": 29}
